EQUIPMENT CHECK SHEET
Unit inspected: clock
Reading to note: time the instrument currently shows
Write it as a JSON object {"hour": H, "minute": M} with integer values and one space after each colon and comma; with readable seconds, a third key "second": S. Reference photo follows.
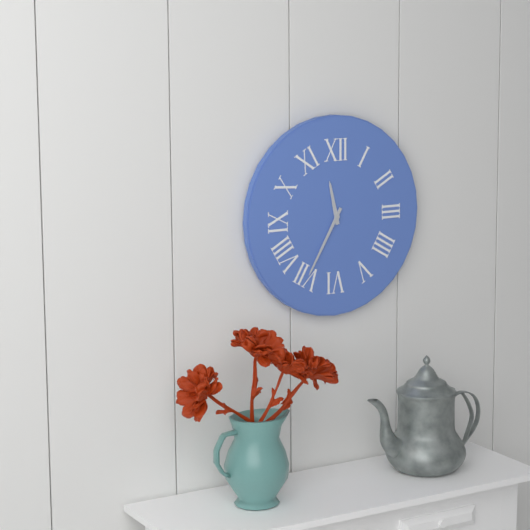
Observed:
{"hour": 11, "minute": 35}
